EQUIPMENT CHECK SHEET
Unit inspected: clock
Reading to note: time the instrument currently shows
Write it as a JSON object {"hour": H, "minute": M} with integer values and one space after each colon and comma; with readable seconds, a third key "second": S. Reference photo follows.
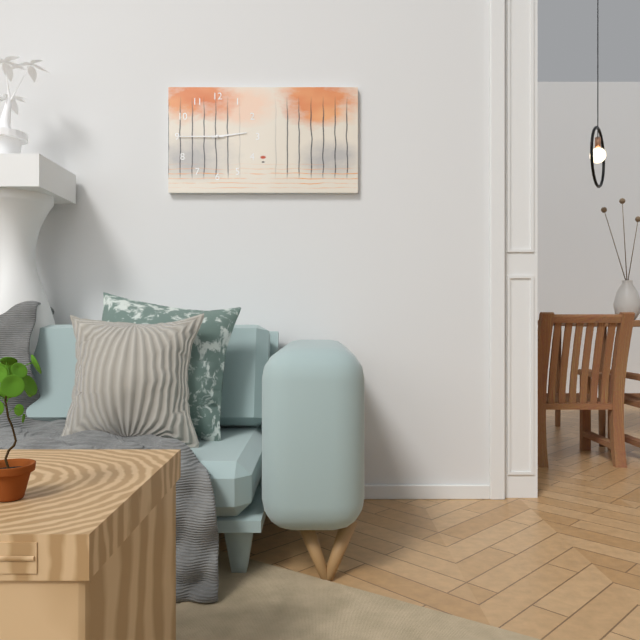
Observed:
{"hour": 2, "minute": 45}
